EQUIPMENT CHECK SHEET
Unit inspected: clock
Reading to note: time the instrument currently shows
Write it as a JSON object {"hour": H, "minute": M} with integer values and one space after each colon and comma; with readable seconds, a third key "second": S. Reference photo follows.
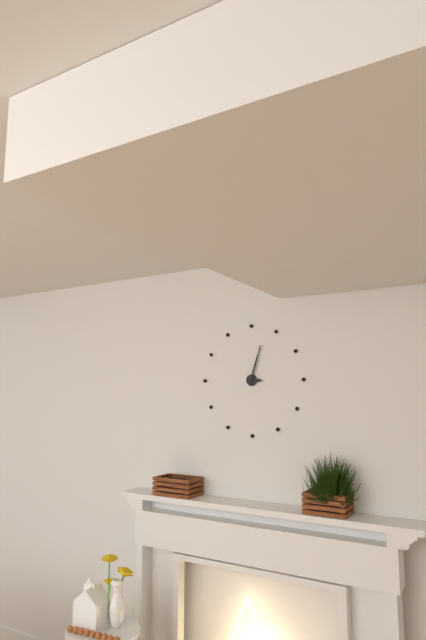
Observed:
{"hour": 3, "minute": 3}
